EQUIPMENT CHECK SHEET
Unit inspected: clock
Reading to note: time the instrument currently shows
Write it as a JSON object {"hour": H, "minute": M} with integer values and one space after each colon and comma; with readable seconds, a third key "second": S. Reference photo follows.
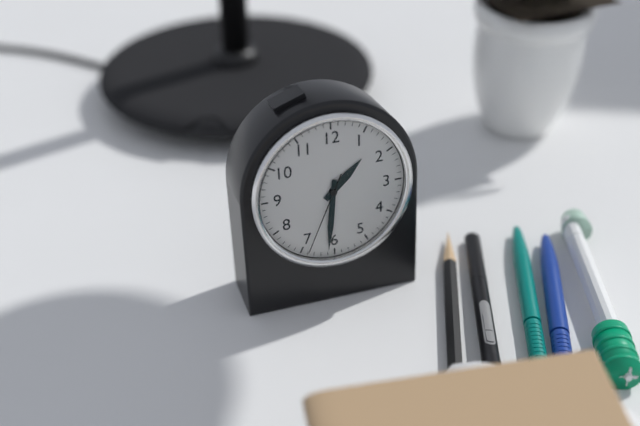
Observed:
{"hour": 1, "minute": 31, "second": 34}
